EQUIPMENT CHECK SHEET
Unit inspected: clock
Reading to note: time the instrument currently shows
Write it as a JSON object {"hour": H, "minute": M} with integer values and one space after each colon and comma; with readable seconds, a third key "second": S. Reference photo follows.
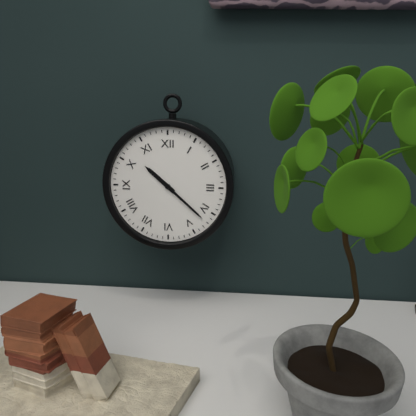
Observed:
{"hour": 10, "minute": 22}
